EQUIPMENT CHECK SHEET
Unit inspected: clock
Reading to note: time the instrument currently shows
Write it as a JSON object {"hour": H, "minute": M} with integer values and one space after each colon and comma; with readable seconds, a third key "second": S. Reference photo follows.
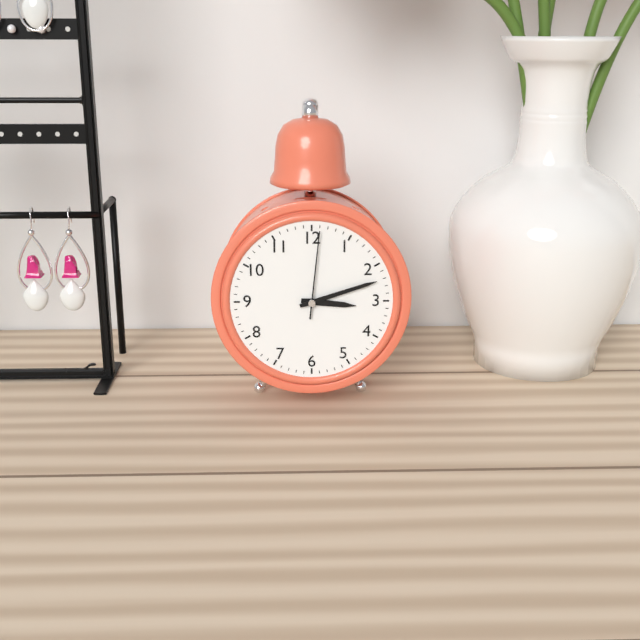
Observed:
{"hour": 3, "minute": 12, "second": 1}
